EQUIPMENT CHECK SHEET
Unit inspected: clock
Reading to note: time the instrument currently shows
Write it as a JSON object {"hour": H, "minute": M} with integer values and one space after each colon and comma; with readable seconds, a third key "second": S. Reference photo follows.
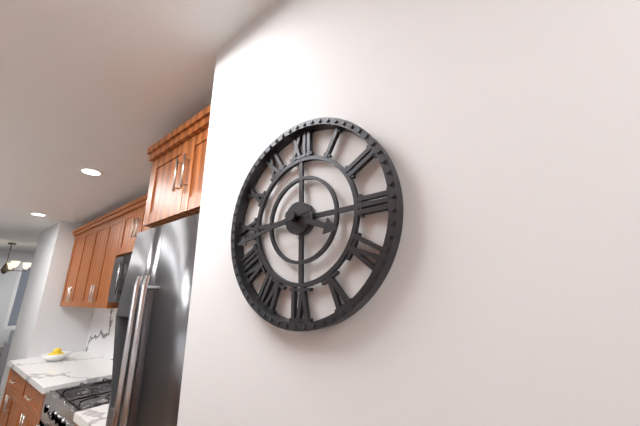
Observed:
{"hour": 3, "minute": 43}
